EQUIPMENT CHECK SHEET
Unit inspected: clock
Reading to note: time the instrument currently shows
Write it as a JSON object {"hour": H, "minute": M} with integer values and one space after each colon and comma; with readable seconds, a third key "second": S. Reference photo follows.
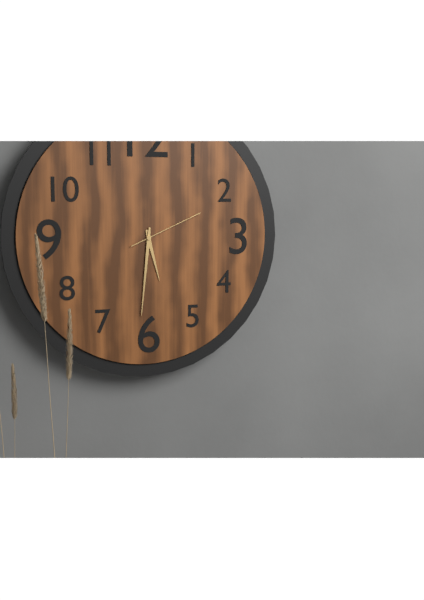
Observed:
{"hour": 5, "minute": 31, "second": 11}
